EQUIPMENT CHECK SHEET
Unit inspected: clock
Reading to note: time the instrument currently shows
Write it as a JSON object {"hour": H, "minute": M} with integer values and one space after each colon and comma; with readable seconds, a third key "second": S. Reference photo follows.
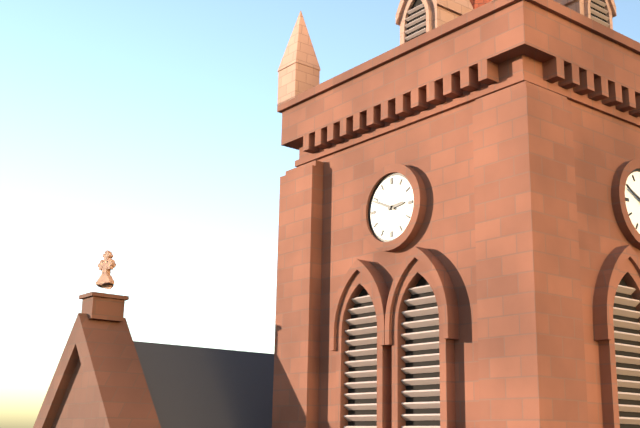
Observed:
{"hour": 2, "minute": 49}
